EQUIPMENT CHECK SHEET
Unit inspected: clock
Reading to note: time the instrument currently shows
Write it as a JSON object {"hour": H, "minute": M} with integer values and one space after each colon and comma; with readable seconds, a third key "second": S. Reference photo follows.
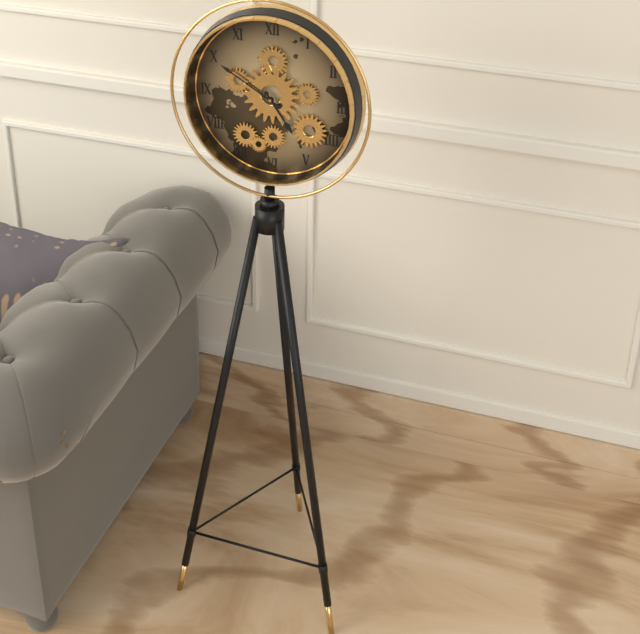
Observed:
{"hour": 4, "minute": 50}
